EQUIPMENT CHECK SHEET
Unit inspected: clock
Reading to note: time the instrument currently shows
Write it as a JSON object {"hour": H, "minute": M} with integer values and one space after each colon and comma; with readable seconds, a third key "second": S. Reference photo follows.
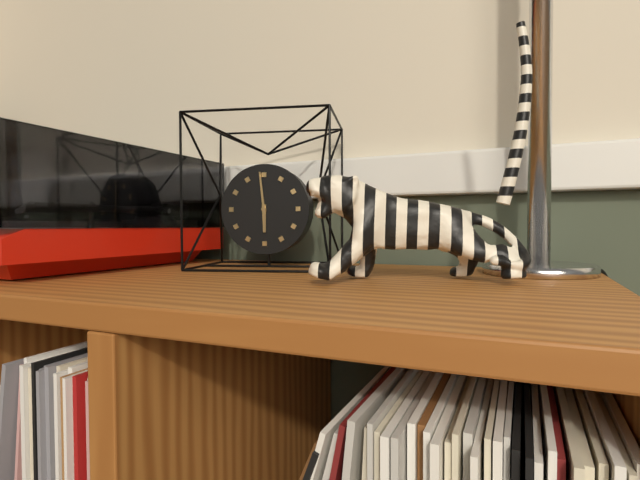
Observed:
{"hour": 5, "minute": 59}
